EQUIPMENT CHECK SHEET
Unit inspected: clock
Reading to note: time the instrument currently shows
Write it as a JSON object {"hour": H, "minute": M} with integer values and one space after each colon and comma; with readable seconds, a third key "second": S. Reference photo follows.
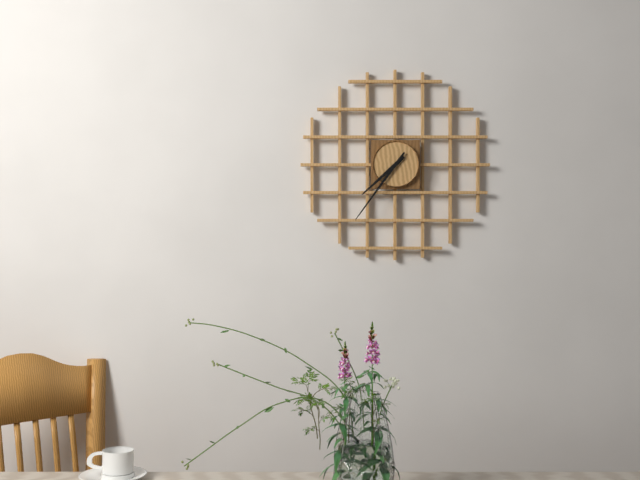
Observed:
{"hour": 7, "minute": 36}
